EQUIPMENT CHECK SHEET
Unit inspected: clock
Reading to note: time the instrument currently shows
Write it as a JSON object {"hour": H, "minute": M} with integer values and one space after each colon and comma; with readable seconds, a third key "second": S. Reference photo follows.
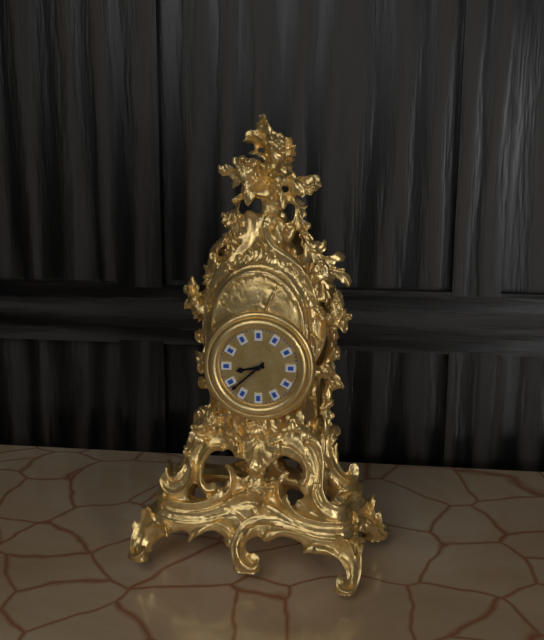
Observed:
{"hour": 8, "minute": 38}
